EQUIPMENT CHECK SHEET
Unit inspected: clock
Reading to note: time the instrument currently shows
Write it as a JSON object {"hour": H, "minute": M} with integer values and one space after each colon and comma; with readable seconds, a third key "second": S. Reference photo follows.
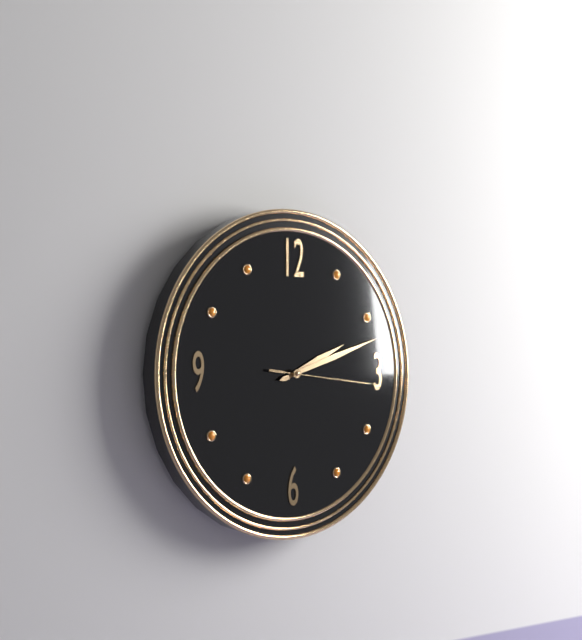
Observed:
{"hour": 2, "minute": 12, "second": 16}
